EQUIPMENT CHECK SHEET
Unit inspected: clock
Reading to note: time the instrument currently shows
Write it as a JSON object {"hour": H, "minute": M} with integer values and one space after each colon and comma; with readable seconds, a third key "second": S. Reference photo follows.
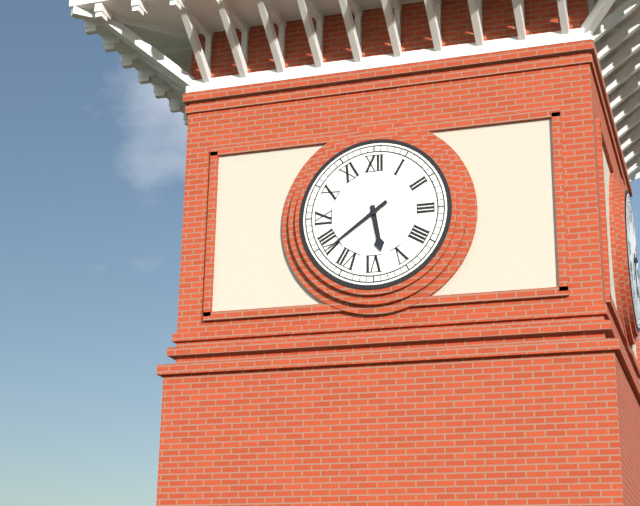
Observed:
{"hour": 5, "minute": 39}
